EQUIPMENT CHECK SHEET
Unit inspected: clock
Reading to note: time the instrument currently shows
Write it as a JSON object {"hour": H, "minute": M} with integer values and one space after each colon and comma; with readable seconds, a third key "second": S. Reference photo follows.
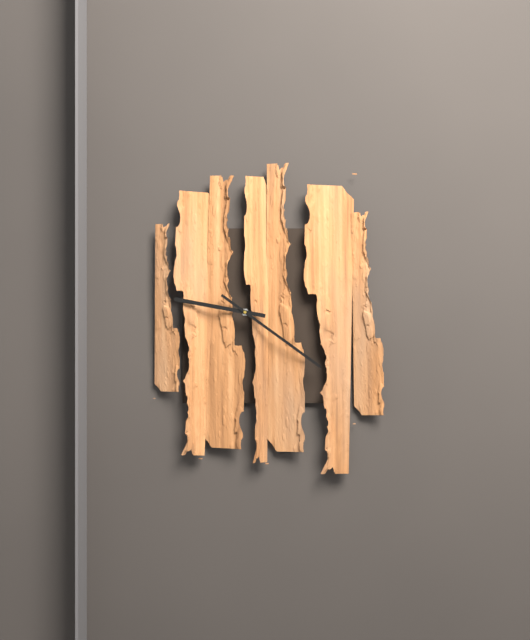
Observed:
{"hour": 9, "minute": 21}
